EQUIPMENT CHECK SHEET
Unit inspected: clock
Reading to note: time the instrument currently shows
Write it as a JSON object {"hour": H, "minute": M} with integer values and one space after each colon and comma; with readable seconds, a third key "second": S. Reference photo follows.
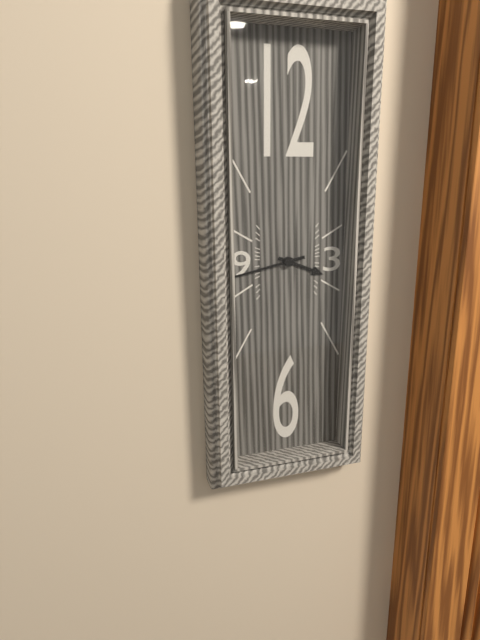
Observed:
{"hour": 3, "minute": 43}
